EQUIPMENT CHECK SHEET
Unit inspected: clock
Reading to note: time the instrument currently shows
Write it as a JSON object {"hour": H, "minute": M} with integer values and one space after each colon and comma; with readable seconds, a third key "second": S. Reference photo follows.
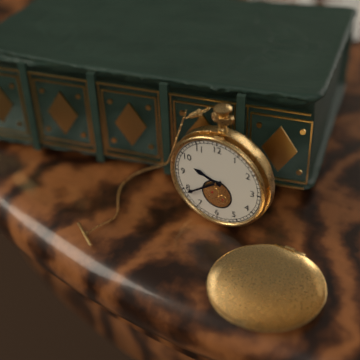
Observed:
{"hour": 9, "minute": 39}
